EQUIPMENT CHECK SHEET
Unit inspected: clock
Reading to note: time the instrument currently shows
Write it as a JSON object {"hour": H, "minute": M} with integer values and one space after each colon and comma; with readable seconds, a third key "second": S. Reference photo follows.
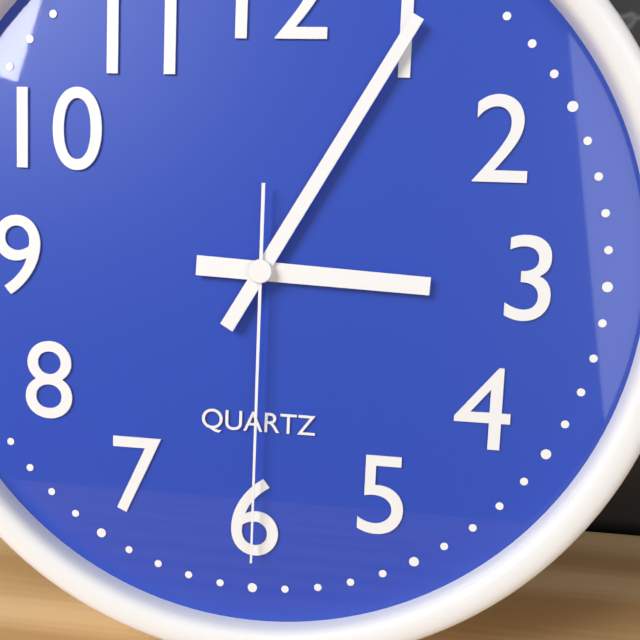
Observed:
{"hour": 3, "minute": 5, "second": 30}
